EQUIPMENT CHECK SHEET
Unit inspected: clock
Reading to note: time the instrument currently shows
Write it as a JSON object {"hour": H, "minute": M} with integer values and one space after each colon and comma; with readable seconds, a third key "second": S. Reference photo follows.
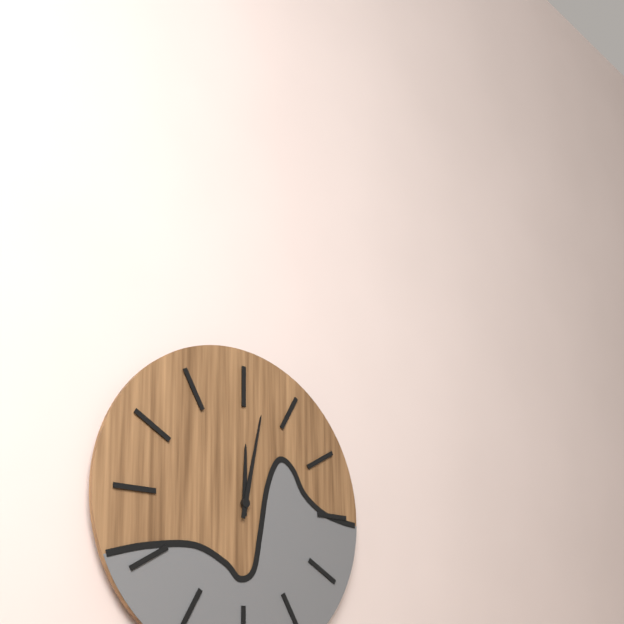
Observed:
{"hour": 12, "minute": 2}
